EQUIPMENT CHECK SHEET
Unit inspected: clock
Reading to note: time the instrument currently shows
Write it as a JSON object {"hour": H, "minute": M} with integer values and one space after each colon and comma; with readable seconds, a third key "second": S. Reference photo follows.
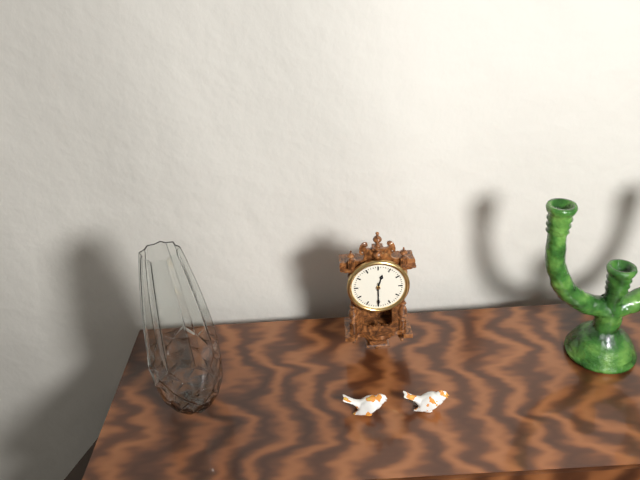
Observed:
{"hour": 12, "minute": 30}
